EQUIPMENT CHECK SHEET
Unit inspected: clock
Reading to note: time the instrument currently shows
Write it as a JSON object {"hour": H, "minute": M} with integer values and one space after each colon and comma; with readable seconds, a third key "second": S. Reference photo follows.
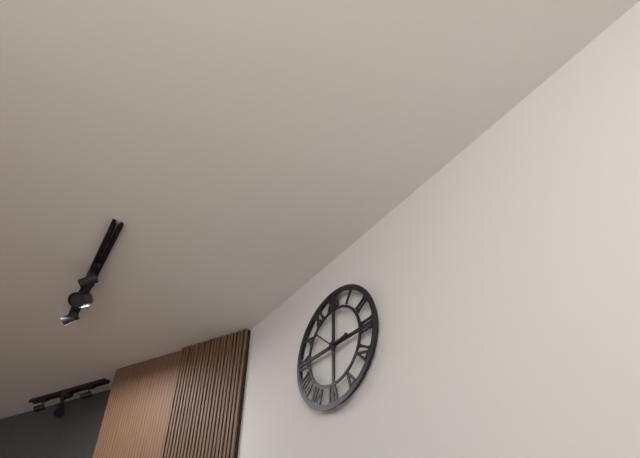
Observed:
{"hour": 2, "minute": 52}
